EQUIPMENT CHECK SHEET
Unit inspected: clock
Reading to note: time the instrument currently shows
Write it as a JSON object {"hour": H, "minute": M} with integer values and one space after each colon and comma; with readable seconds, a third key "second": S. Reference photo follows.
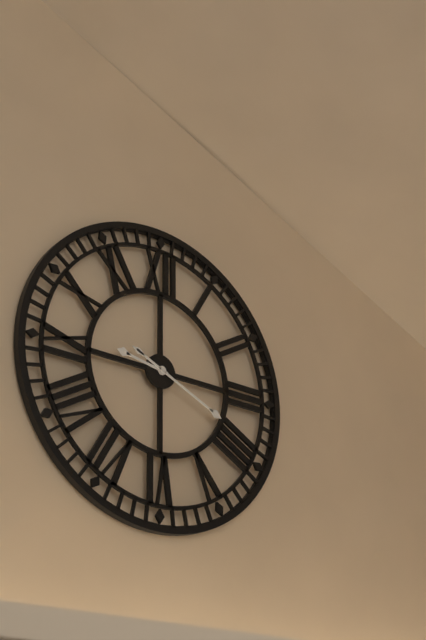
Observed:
{"hour": 9, "minute": 19}
